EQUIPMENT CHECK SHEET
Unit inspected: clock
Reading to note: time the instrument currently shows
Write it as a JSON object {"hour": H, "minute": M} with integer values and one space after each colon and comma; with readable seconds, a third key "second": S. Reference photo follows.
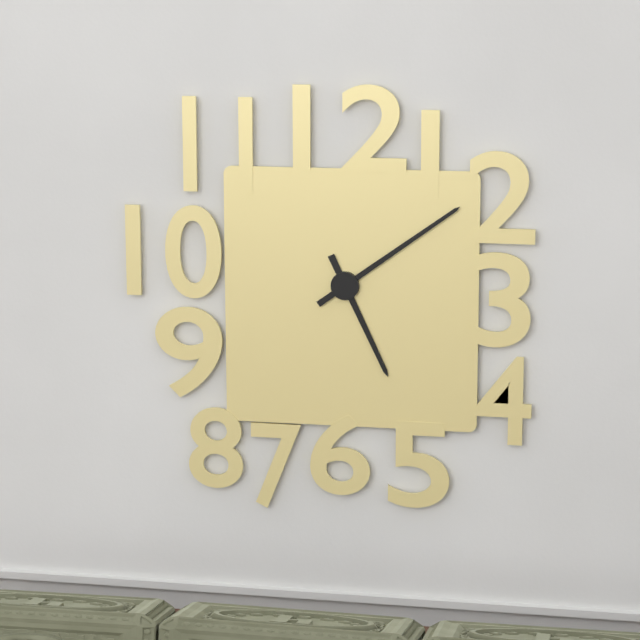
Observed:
{"hour": 5, "minute": 9}
